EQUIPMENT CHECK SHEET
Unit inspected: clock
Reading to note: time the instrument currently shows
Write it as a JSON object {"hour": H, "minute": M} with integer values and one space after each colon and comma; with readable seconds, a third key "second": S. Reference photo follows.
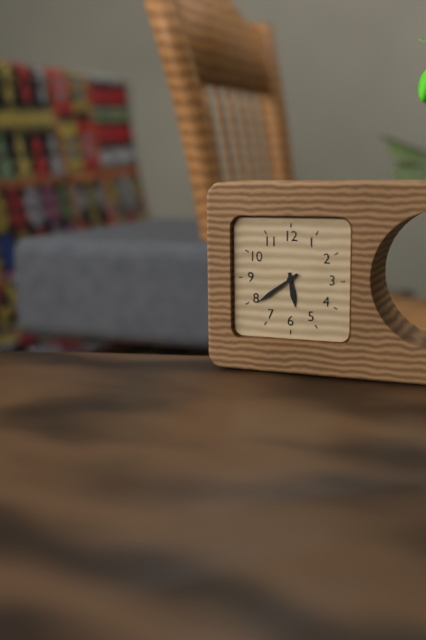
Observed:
{"hour": 5, "minute": 39}
